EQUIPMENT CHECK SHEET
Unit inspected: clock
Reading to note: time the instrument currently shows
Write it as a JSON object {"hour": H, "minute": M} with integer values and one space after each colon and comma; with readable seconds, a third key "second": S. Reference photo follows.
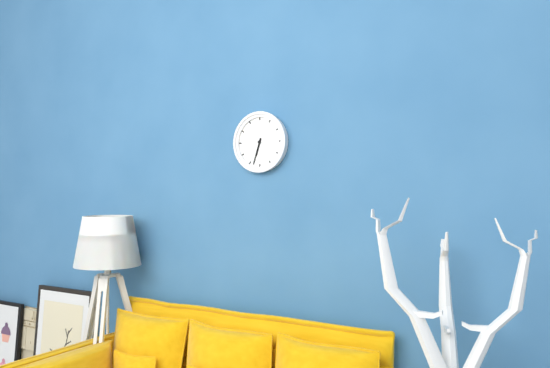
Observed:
{"hour": 6, "minute": 33}
